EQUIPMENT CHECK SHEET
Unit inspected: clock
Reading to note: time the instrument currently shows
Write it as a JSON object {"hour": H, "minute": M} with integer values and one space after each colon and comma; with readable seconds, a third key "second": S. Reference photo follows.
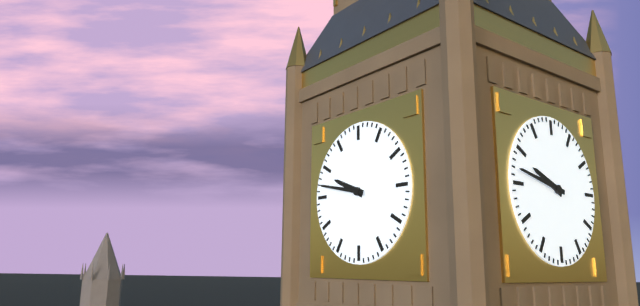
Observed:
{"hour": 9, "minute": 47}
